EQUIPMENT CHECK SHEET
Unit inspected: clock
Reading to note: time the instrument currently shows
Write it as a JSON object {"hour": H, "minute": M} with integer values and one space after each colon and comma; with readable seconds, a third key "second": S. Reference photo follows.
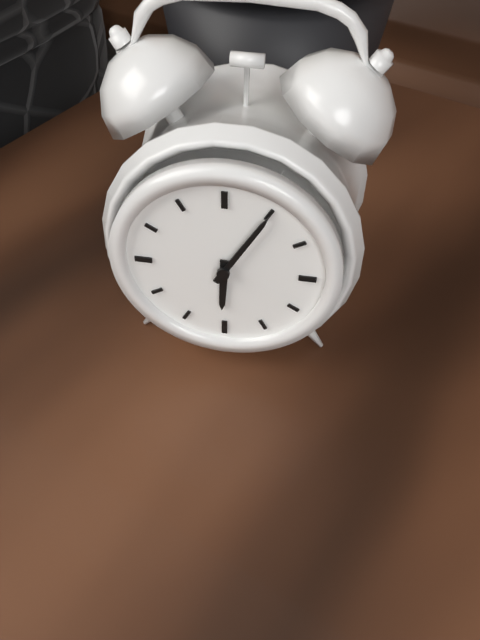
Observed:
{"hour": 6, "minute": 5}
